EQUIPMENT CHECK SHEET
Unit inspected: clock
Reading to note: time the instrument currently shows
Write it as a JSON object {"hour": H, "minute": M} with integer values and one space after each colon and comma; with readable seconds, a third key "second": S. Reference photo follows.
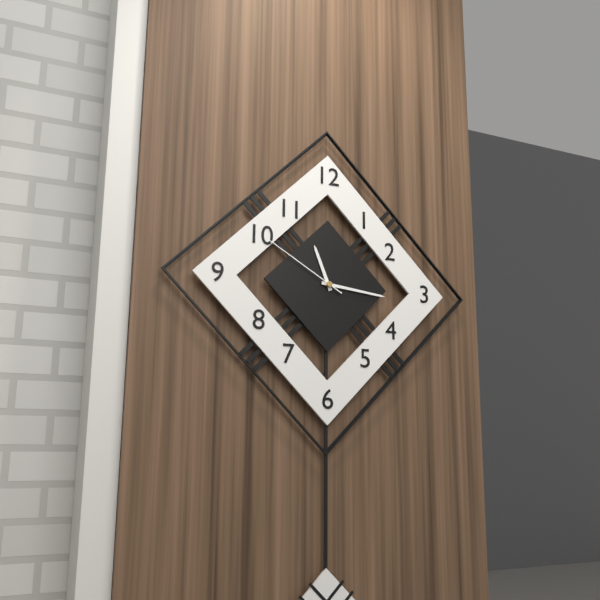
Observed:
{"hour": 11, "minute": 16, "second": 50}
